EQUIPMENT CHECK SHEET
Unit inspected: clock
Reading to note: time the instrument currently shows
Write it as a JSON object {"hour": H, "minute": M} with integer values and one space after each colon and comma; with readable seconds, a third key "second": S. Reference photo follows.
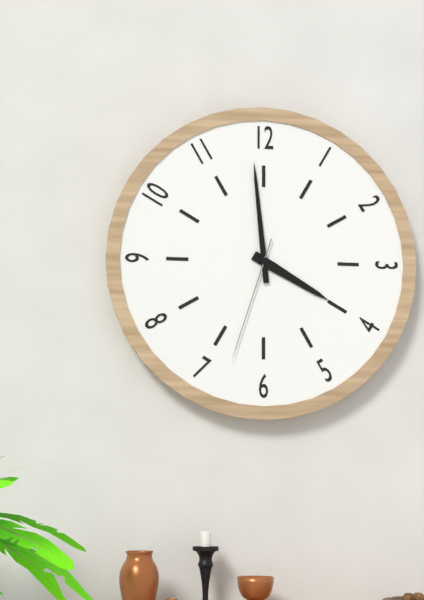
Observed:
{"hour": 3, "minute": 59, "second": 33}
